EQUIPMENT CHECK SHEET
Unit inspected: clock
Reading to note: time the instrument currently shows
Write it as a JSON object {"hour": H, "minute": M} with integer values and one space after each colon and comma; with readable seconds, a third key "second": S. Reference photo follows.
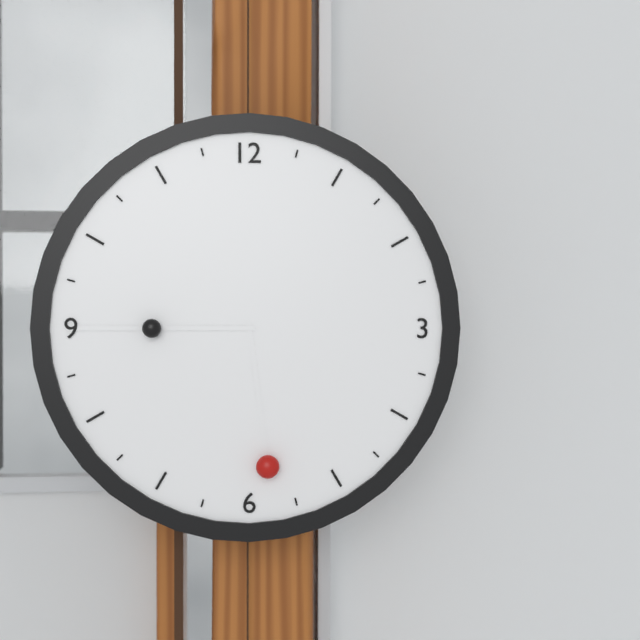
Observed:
{"hour": 5, "minute": 45}
